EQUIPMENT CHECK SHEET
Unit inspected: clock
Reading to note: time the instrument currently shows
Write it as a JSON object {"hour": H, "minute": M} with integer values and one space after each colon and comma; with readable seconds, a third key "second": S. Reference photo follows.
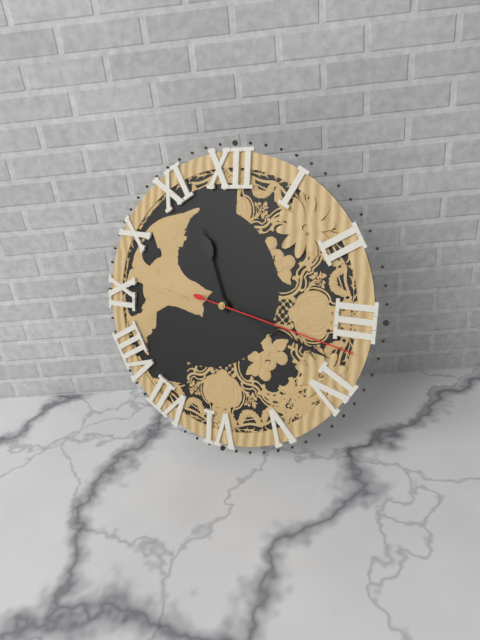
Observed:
{"hour": 11, "minute": 18, "second": 17}
